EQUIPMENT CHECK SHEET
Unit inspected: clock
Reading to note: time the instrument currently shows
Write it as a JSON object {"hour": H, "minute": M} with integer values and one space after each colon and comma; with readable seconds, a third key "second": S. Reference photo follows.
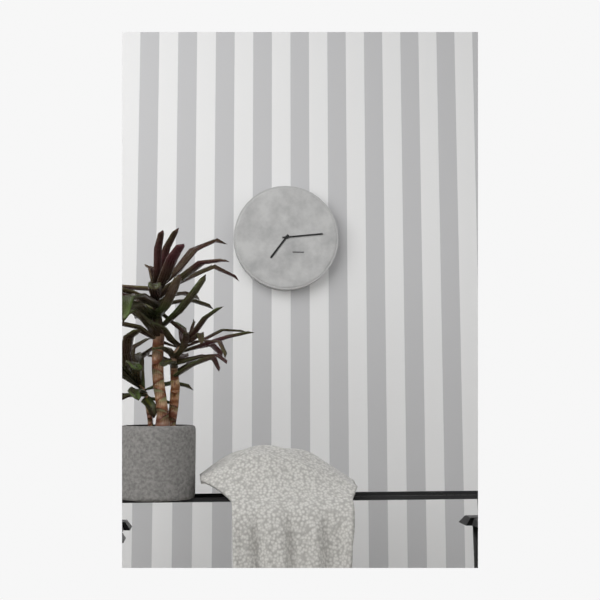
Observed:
{"hour": 7, "minute": 14}
